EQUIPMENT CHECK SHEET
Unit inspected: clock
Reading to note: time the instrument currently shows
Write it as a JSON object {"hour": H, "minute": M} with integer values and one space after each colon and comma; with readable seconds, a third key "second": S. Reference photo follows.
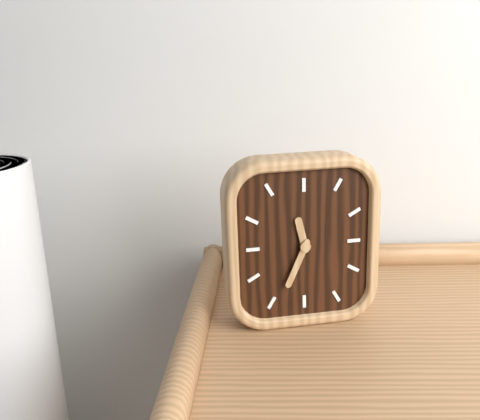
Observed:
{"hour": 11, "minute": 34}
